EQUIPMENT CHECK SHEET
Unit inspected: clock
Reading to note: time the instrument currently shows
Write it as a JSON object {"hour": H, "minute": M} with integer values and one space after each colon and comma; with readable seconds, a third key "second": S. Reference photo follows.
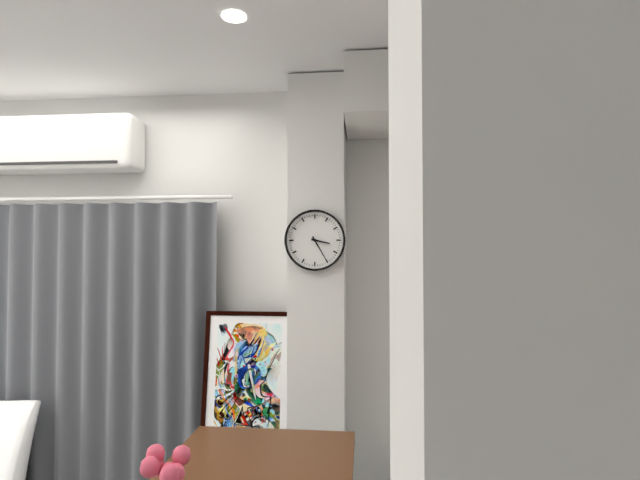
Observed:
{"hour": 3, "minute": 25}
